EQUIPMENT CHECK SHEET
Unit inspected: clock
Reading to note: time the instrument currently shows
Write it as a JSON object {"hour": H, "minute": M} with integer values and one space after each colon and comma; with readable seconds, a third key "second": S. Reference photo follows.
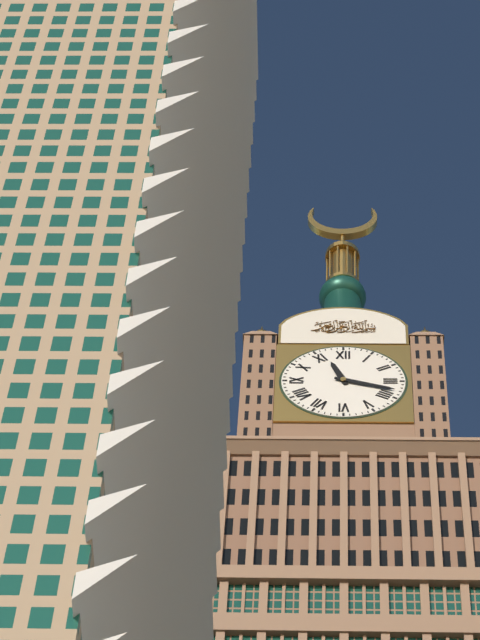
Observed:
{"hour": 11, "minute": 18}
